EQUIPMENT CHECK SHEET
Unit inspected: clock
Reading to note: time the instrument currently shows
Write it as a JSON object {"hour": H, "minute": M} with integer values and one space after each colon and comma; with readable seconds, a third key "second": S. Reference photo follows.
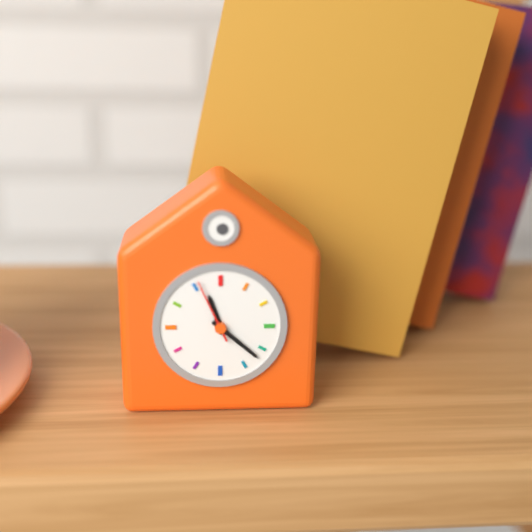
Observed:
{"hour": 11, "minute": 22}
